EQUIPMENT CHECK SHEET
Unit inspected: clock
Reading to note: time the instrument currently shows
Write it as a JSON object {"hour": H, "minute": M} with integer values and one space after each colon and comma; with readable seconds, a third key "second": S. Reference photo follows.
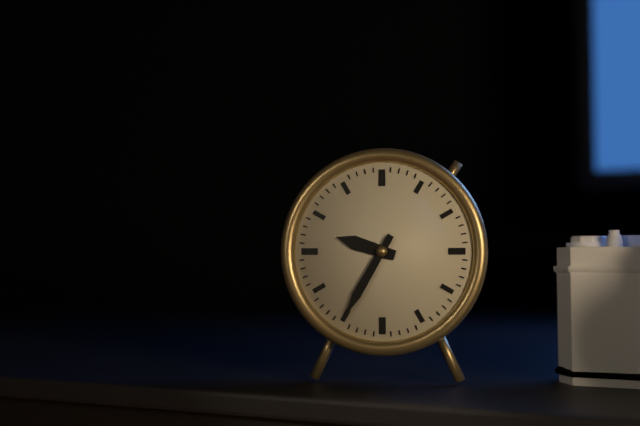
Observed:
{"hour": 9, "minute": 35}
